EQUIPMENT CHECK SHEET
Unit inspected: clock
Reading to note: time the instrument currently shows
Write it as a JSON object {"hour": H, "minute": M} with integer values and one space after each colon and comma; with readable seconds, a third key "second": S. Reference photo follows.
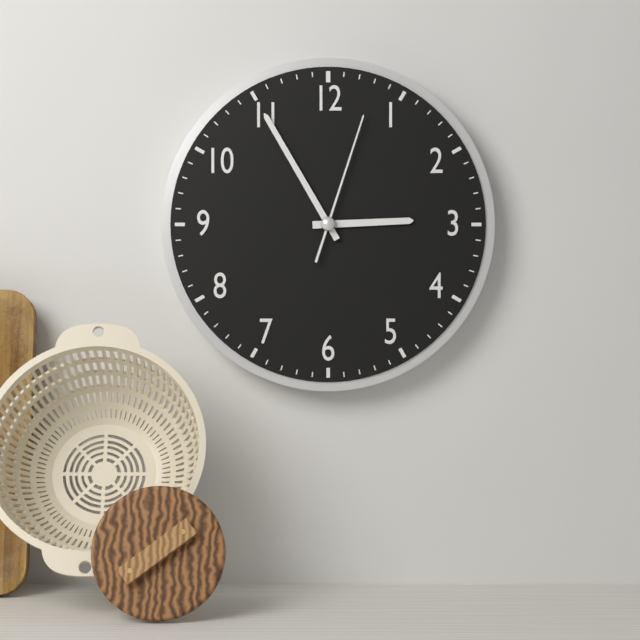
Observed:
{"hour": 2, "minute": 55, "second": 3}
